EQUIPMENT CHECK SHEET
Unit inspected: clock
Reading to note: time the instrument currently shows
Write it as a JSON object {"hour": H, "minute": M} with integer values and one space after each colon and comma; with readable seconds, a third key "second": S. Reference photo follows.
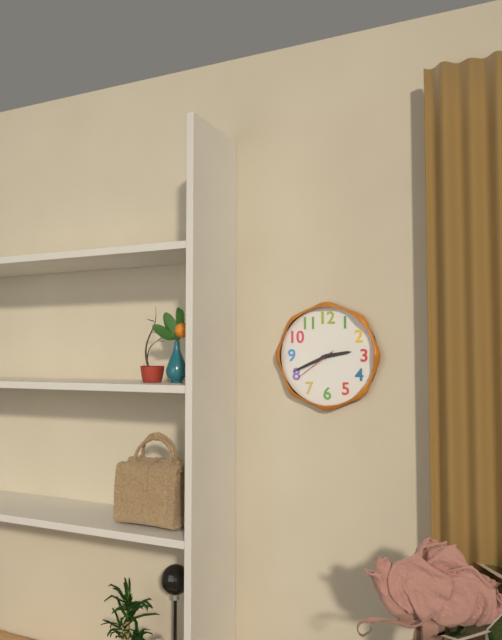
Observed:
{"hour": 2, "minute": 41}
